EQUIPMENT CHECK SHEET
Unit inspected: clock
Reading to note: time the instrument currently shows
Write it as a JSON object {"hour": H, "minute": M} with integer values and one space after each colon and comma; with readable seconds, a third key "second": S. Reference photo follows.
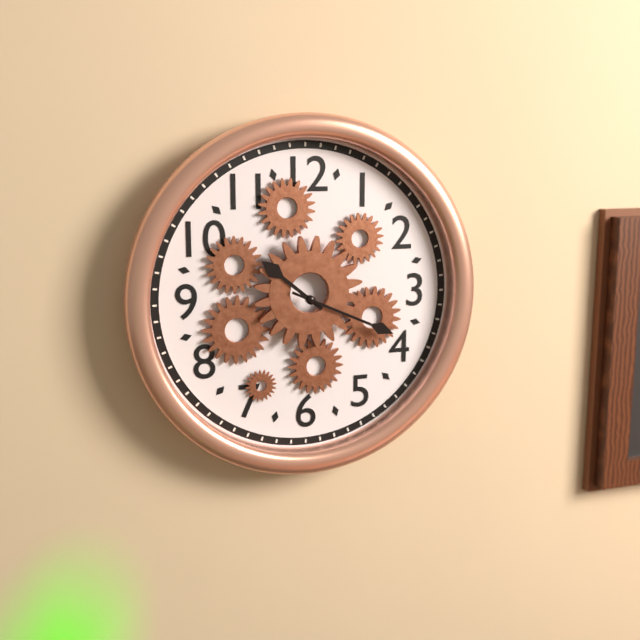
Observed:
{"hour": 10, "minute": 19}
